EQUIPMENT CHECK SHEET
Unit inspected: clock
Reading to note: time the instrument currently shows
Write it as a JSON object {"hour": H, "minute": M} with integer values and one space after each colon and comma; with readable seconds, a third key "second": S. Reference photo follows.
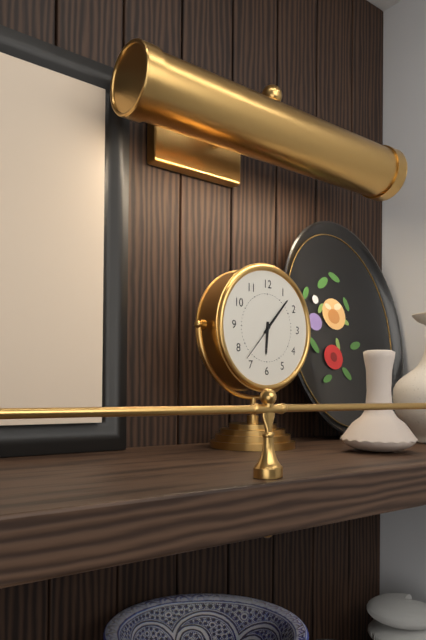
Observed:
{"hour": 6, "minute": 7}
